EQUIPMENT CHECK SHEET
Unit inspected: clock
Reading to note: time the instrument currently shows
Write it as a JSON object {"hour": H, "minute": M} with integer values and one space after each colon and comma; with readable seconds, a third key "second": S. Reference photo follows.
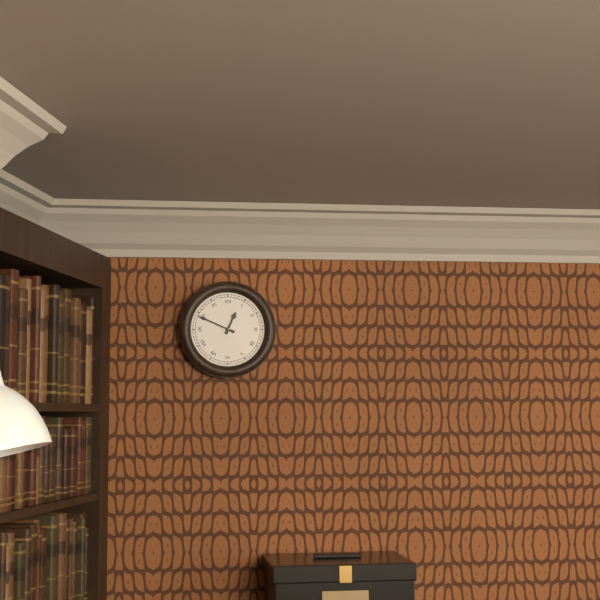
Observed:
{"hour": 12, "minute": 49}
